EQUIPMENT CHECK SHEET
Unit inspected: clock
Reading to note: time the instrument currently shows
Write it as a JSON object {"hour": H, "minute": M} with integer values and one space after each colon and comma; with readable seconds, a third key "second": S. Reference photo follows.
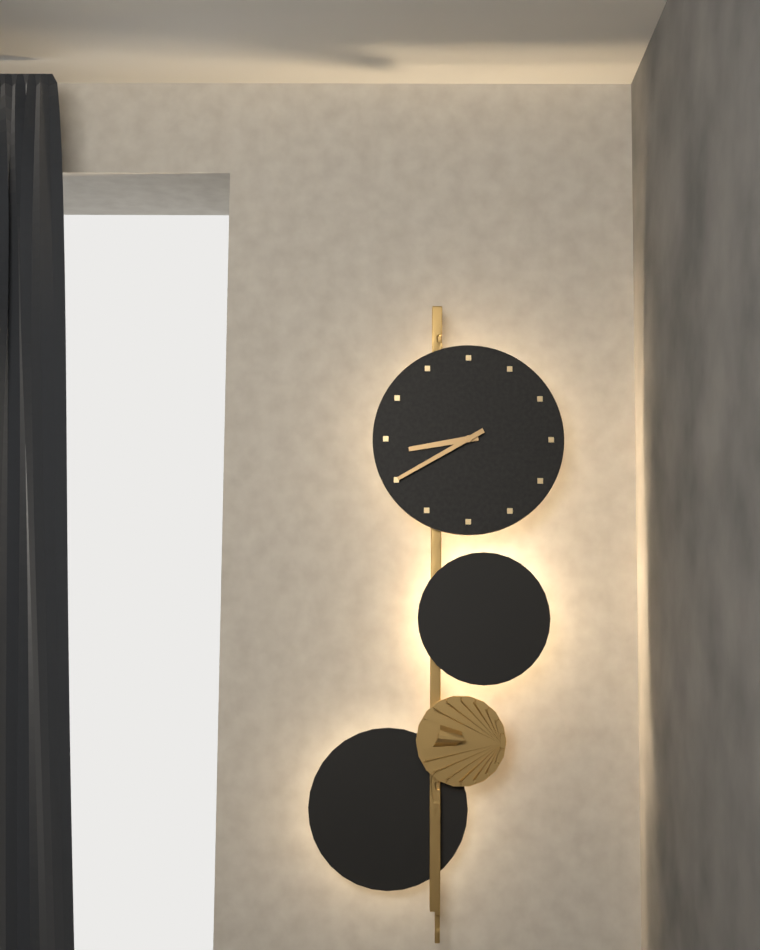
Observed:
{"hour": 8, "minute": 40}
